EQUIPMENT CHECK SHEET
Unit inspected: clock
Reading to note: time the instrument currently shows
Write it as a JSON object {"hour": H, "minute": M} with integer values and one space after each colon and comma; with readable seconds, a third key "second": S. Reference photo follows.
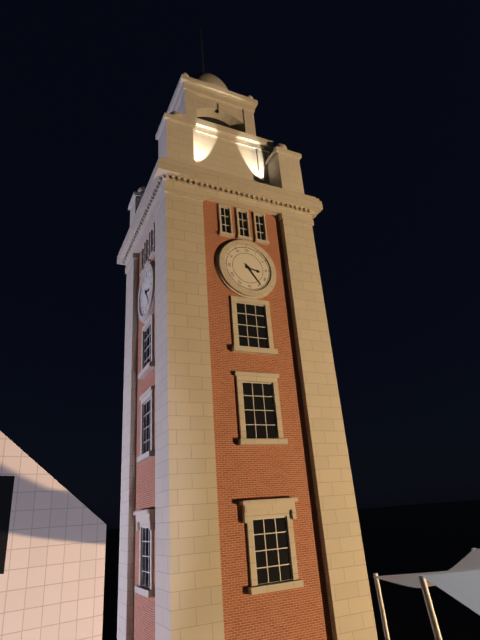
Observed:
{"hour": 3, "minute": 24}
